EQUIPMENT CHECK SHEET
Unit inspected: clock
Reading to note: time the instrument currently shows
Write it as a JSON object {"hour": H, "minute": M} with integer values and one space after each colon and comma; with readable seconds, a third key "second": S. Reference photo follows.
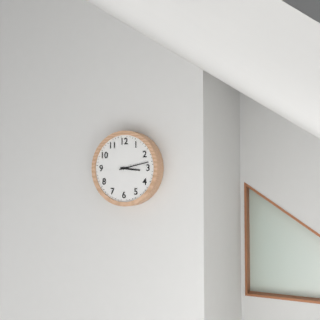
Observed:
{"hour": 3, "minute": 13}
